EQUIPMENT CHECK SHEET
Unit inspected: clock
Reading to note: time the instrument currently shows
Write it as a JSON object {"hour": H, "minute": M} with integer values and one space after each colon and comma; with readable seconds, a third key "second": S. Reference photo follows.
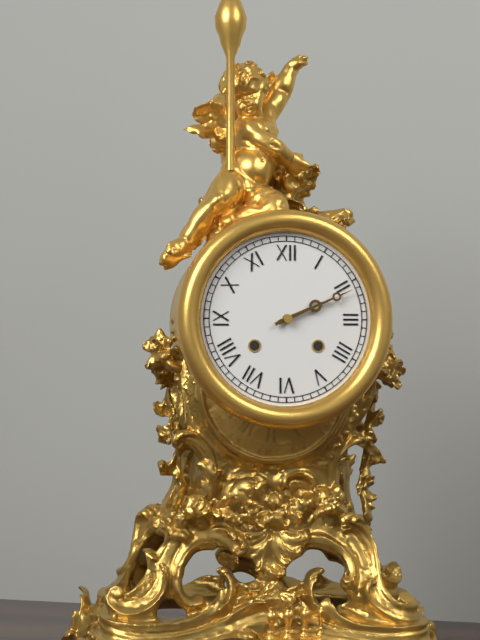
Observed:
{"hour": 2, "minute": 11}
